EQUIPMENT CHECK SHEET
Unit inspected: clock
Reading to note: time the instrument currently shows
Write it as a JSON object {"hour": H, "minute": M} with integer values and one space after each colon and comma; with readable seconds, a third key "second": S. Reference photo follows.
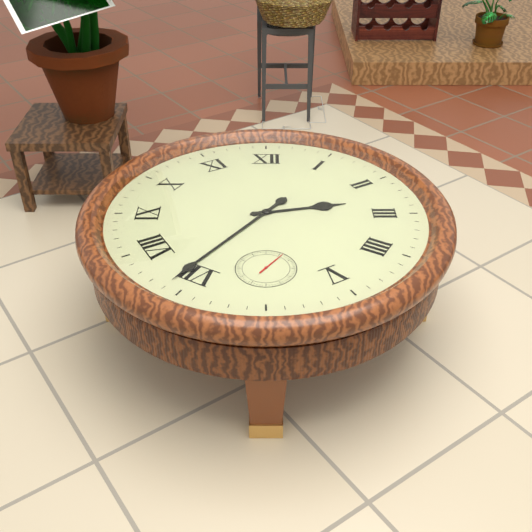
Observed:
{"hour": 2, "minute": 36}
